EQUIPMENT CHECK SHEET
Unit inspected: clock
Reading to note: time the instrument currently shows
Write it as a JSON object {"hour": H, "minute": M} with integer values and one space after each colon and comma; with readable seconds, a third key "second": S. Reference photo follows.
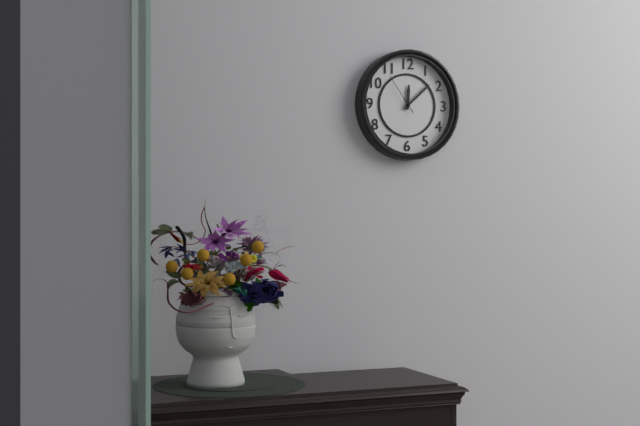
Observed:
{"hour": 12, "minute": 8}
